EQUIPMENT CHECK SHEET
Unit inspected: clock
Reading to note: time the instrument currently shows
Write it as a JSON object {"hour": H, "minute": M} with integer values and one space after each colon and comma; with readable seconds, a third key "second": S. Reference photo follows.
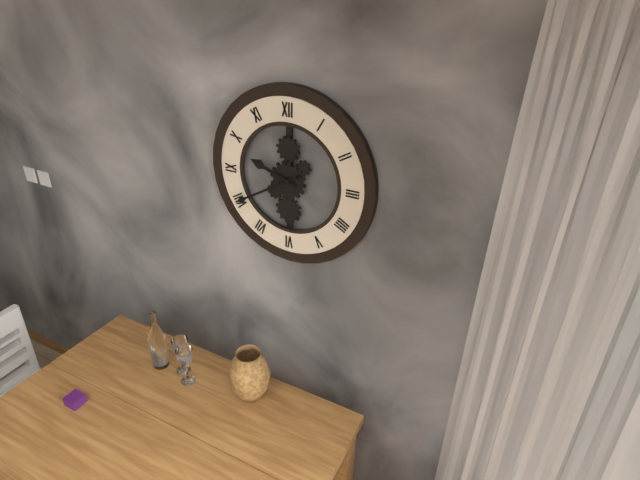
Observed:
{"hour": 9, "minute": 40}
